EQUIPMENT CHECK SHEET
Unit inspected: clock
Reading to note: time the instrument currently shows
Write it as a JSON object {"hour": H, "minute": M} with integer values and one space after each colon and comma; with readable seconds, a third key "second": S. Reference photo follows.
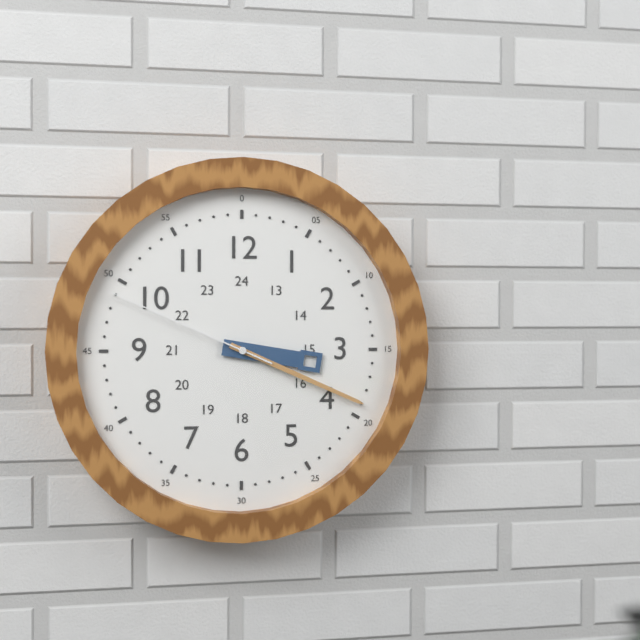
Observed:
{"hour": 3, "minute": 19, "second": 49}
